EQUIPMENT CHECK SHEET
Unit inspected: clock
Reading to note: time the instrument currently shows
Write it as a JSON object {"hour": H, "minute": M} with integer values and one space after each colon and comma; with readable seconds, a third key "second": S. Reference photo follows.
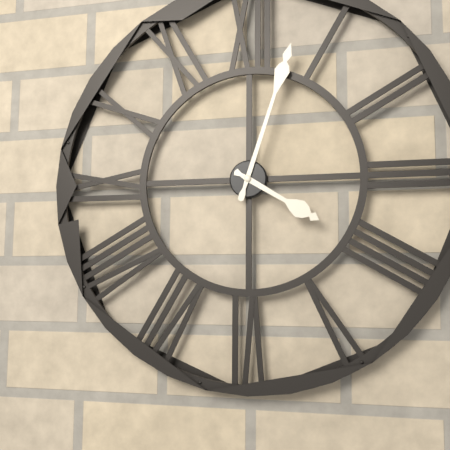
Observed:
{"hour": 4, "minute": 3}
